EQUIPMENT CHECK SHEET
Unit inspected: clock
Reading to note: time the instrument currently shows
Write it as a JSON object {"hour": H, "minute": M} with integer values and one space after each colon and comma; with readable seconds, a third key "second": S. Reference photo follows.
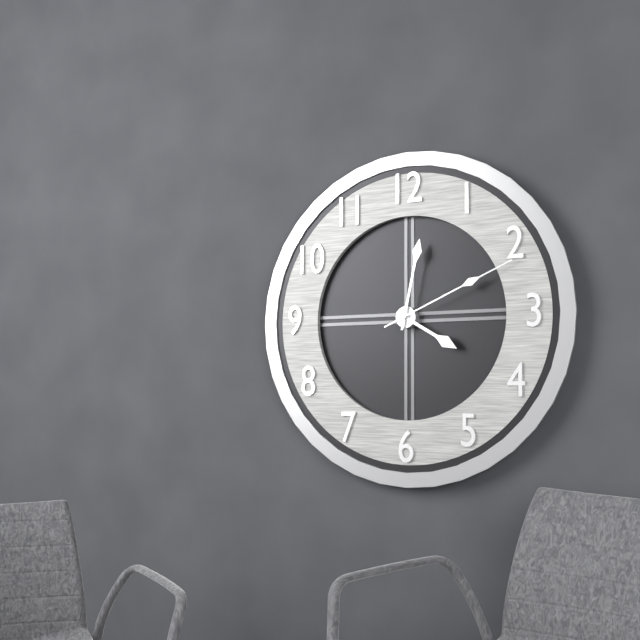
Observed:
{"hour": 4, "minute": 2, "second": 11}
